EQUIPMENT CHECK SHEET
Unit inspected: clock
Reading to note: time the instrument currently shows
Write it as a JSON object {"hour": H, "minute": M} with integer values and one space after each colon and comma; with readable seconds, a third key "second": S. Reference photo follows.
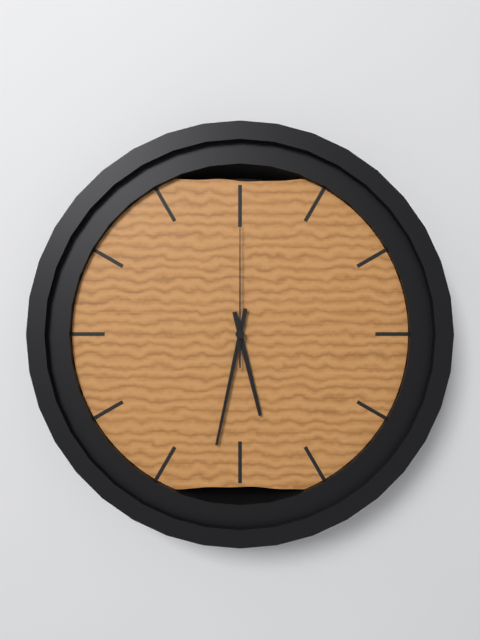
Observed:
{"hour": 5, "minute": 32, "second": 0}
